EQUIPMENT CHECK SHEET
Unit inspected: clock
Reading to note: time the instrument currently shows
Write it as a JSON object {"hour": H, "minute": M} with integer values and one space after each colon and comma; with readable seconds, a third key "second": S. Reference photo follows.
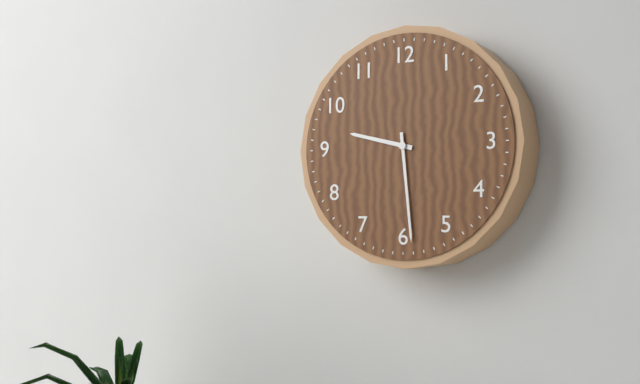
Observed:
{"hour": 9, "minute": 29}
